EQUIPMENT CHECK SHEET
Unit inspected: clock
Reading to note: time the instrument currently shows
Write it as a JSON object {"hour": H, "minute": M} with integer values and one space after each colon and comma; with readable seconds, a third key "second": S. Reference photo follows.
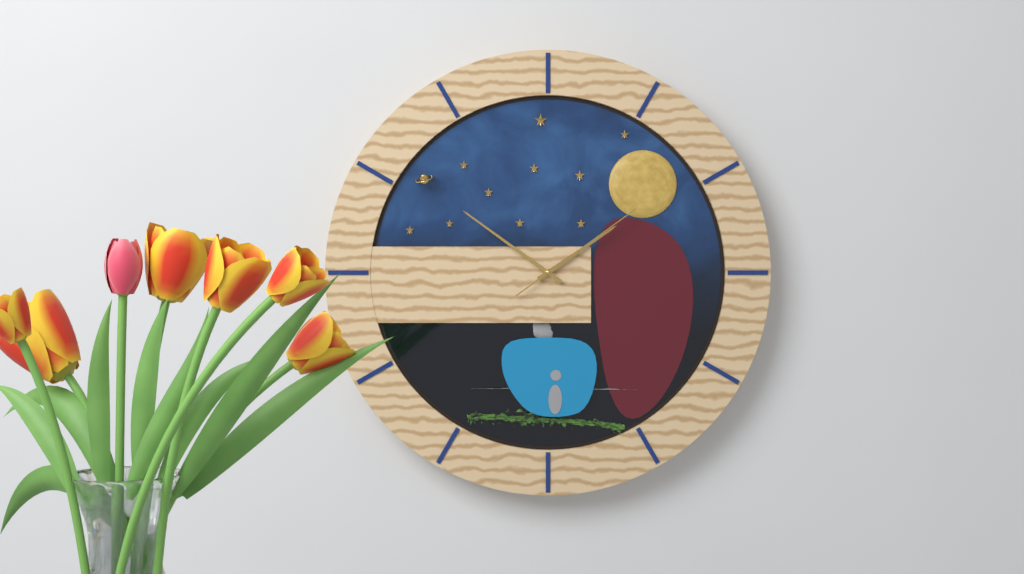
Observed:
{"hour": 1, "minute": 51, "second": 9}
